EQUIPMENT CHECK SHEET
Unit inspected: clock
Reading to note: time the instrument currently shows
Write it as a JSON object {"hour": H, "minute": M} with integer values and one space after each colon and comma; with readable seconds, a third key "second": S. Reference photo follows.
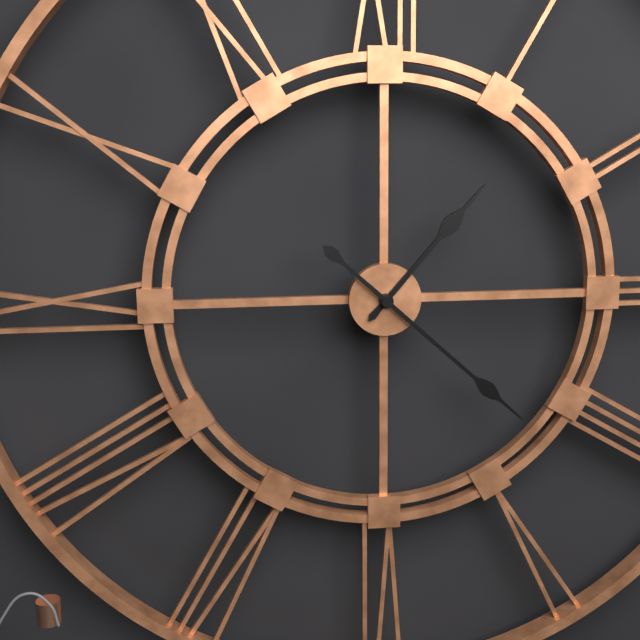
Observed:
{"hour": 1, "minute": 22}
